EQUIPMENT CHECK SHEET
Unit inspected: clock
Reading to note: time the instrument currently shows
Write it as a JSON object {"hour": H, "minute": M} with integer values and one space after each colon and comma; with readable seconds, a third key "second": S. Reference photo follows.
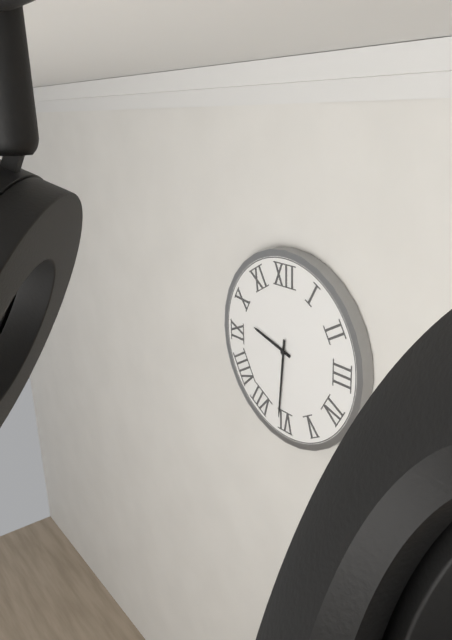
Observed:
{"hour": 9, "minute": 31}
